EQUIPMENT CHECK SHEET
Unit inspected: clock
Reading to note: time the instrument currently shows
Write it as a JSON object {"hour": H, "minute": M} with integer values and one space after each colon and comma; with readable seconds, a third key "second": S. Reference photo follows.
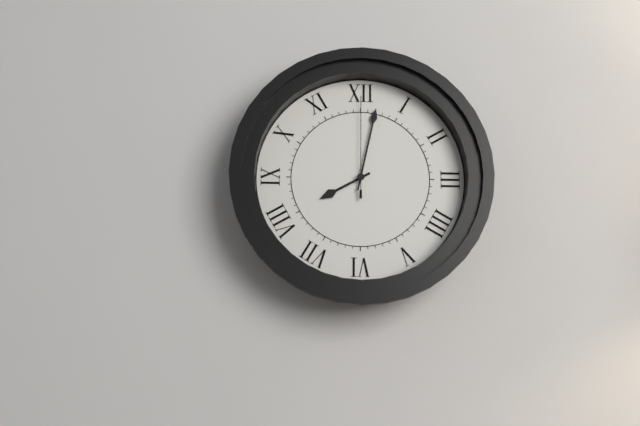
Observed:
{"hour": 8, "minute": 2, "second": 0}
